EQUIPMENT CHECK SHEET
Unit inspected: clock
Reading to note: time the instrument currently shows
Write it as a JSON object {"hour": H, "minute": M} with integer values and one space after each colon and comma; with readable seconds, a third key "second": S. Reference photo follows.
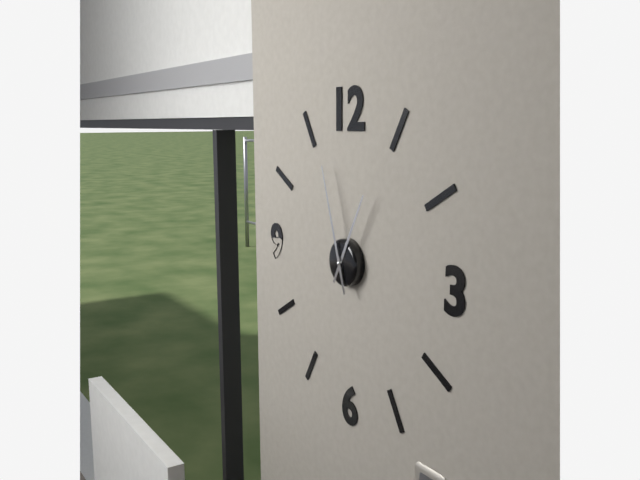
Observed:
{"hour": 12, "minute": 57}
